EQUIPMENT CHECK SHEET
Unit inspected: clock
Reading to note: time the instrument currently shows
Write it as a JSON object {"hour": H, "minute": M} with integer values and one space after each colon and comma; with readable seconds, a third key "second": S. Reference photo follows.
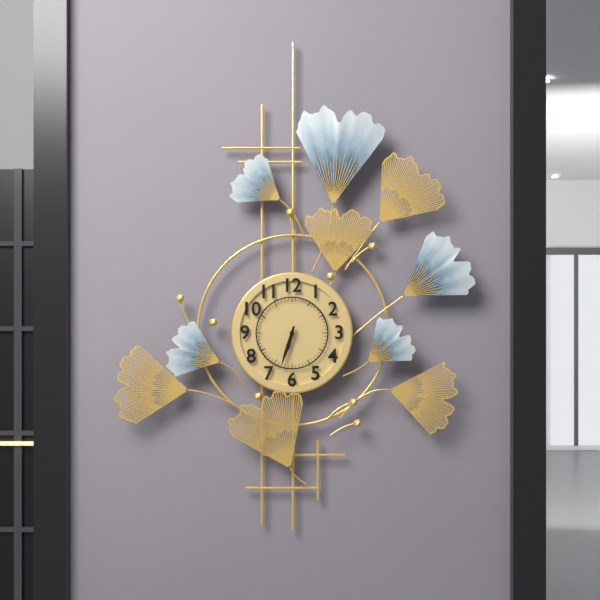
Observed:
{"hour": 6, "minute": 33}
